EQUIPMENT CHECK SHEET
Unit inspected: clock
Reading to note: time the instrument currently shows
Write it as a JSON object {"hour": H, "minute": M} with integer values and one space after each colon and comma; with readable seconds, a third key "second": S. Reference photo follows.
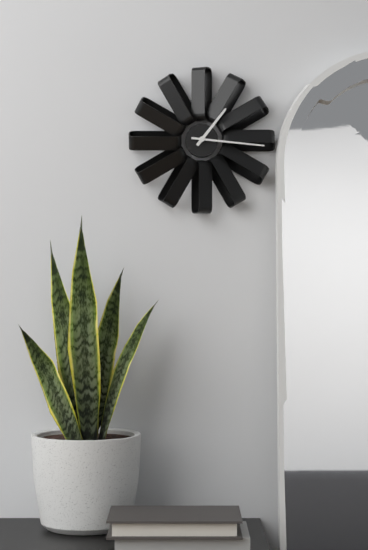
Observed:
{"hour": 1, "minute": 16}
